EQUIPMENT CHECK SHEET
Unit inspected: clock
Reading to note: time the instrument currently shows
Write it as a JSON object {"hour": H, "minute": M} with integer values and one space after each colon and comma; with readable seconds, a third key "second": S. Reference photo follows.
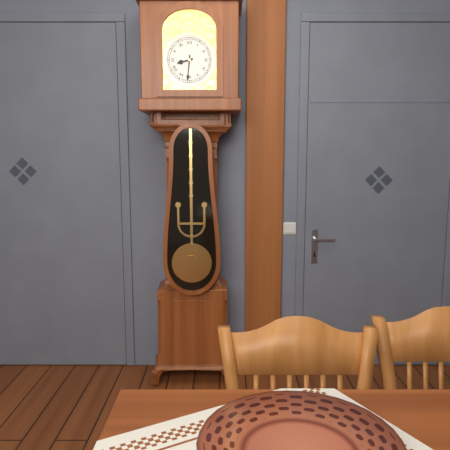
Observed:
{"hour": 8, "minute": 31}
